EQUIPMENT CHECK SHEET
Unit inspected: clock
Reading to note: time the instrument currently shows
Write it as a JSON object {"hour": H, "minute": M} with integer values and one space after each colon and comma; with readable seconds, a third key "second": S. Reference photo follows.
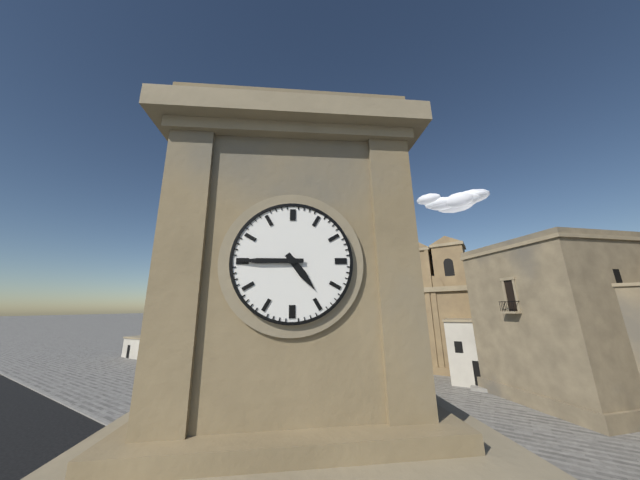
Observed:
{"hour": 4, "minute": 45}
